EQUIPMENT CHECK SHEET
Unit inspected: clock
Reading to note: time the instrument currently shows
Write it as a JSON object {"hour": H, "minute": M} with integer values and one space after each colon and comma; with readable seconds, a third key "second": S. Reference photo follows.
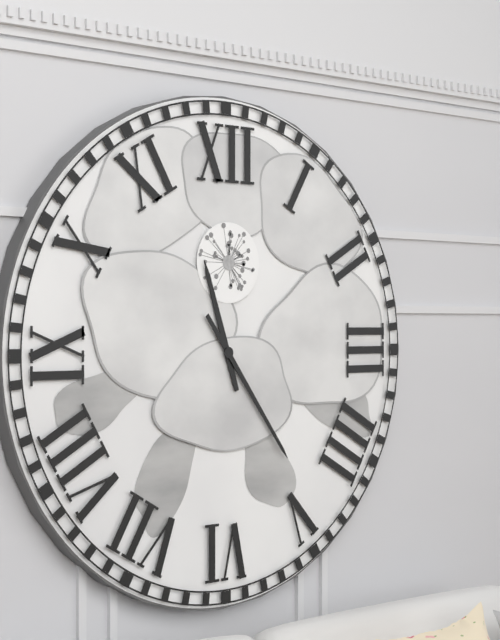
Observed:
{"hour": 11, "minute": 24}
